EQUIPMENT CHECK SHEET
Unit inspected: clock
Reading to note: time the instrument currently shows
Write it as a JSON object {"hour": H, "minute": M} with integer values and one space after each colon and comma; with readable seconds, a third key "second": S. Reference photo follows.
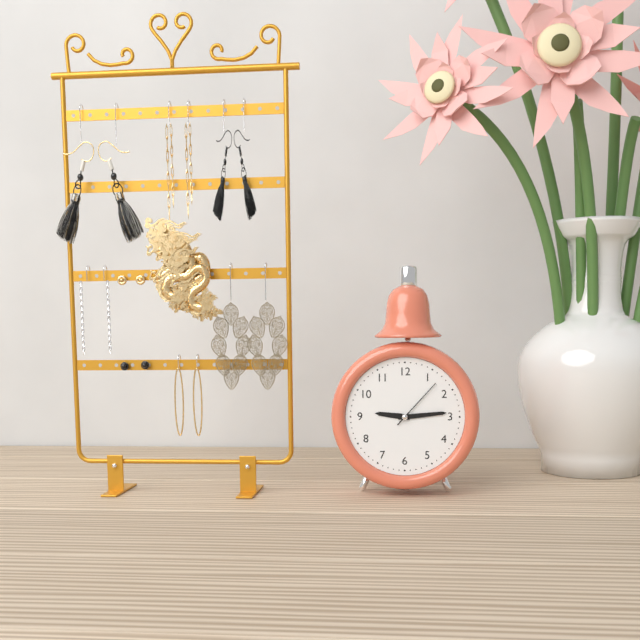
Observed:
{"hour": 9, "minute": 14, "second": 7}
